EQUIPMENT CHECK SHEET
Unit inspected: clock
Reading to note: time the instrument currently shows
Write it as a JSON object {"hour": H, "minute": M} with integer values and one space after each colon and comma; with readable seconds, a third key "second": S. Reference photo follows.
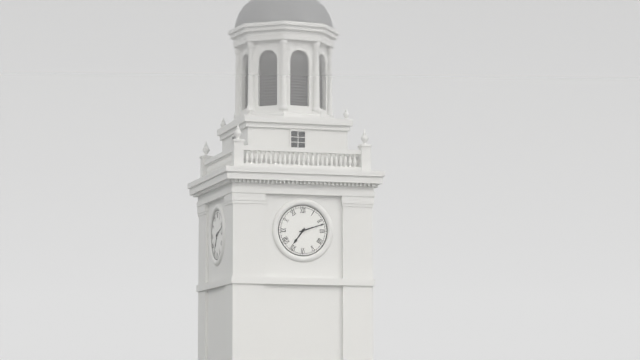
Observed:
{"hour": 7, "minute": 12}
